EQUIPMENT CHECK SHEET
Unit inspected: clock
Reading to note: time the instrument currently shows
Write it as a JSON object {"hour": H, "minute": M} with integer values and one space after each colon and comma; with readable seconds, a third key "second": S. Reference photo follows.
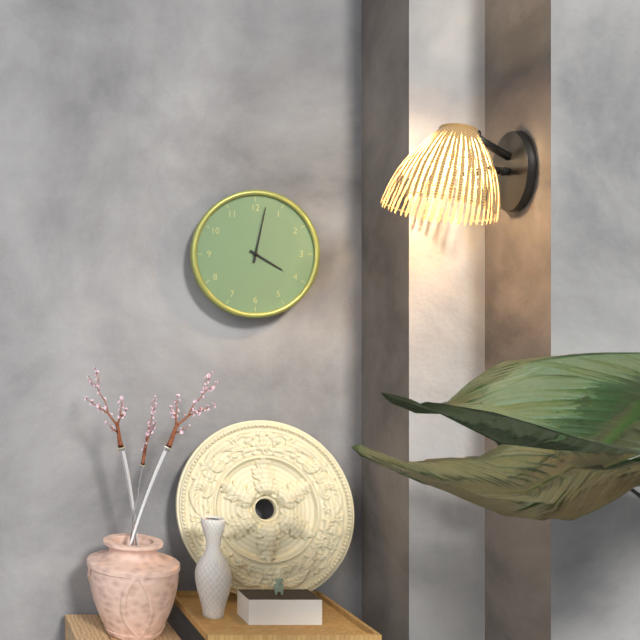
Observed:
{"hour": 4, "minute": 2}
